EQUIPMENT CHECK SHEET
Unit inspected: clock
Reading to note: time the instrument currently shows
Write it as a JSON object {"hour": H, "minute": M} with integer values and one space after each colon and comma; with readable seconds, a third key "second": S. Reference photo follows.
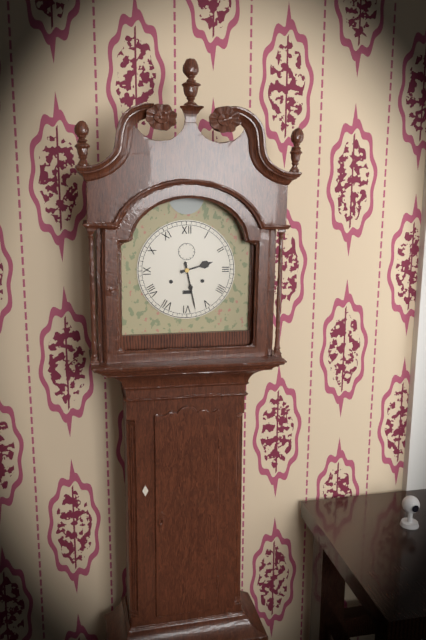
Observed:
{"hour": 2, "minute": 28}
